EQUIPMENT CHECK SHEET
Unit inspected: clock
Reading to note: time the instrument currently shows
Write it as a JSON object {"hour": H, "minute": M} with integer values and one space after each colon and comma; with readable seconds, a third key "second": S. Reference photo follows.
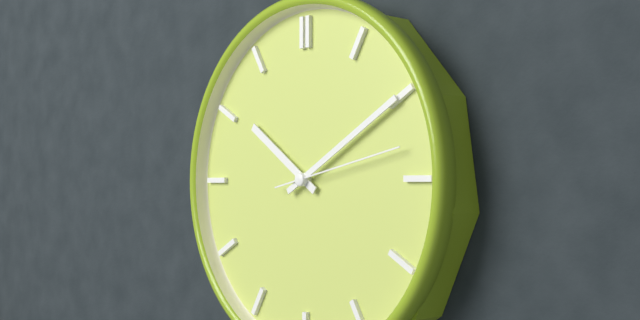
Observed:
{"hour": 10, "minute": 10, "second": 13}
